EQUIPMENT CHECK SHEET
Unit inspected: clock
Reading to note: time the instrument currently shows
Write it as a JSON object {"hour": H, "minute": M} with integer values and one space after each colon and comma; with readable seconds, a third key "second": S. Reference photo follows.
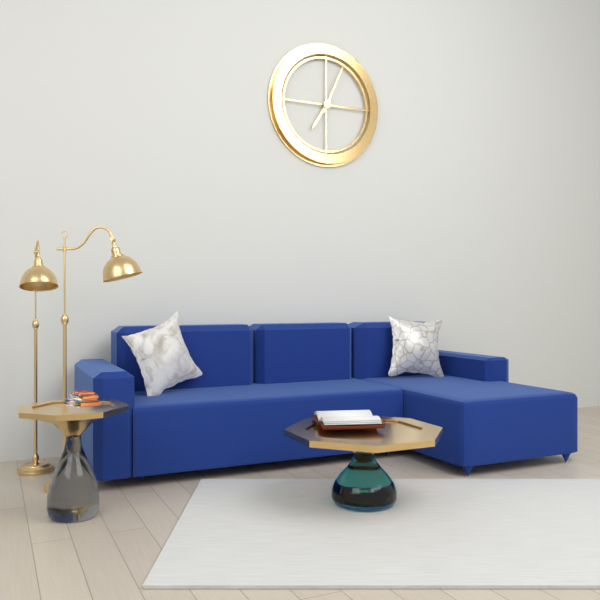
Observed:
{"hour": 7, "minute": 4}
